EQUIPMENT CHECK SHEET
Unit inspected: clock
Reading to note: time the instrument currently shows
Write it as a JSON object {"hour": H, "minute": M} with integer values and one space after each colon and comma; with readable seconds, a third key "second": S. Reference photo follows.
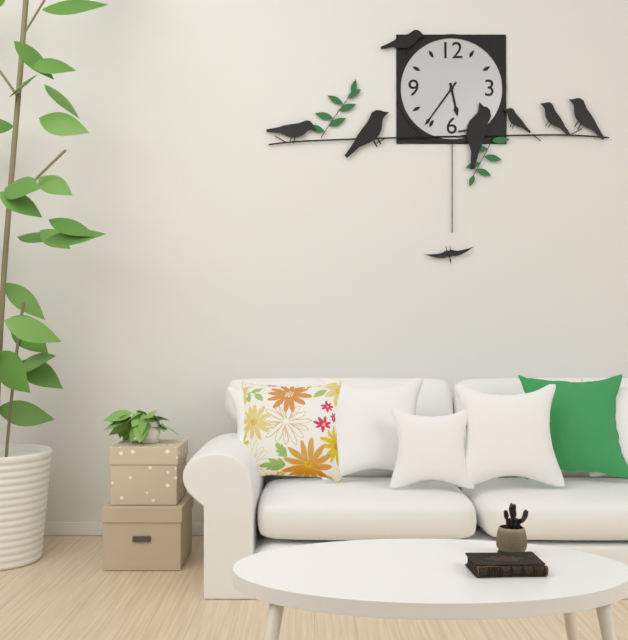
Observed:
{"hour": 5, "minute": 36}
